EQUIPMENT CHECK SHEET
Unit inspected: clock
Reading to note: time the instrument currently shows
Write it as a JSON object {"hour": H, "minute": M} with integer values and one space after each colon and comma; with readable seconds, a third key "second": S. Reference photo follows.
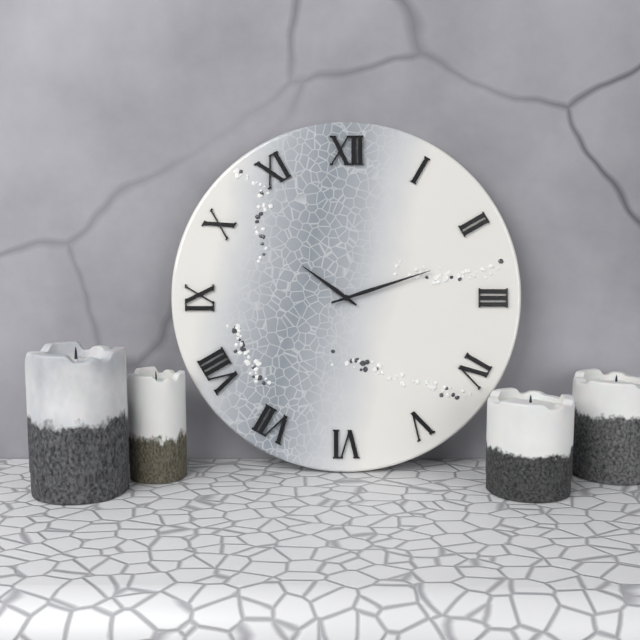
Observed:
{"hour": 10, "minute": 12}
